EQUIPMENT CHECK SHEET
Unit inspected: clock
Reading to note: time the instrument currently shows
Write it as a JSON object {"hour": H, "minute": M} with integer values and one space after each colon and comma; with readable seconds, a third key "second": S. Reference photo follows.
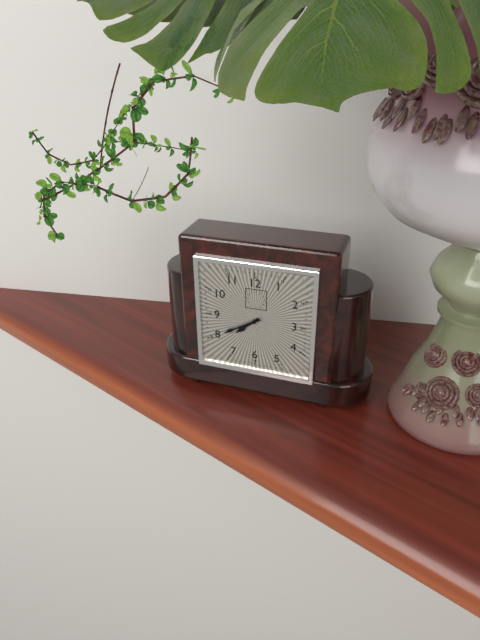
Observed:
{"hour": 7, "minute": 40}
